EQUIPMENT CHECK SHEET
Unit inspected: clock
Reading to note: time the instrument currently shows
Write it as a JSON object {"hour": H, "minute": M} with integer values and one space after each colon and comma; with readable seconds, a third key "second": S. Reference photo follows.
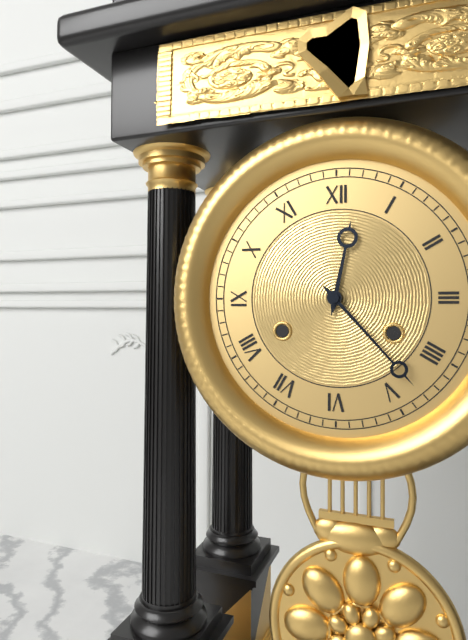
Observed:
{"hour": 12, "minute": 23}
